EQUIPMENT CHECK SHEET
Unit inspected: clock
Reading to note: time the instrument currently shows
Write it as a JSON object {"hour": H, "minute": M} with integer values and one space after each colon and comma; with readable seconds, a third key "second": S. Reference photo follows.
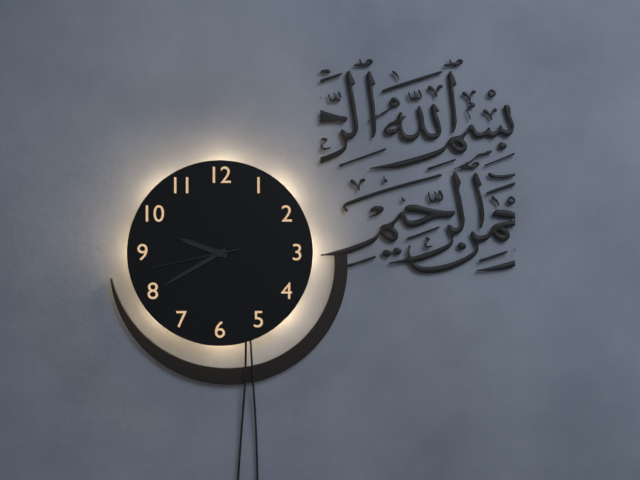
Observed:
{"hour": 9, "minute": 40, "second": 43}
